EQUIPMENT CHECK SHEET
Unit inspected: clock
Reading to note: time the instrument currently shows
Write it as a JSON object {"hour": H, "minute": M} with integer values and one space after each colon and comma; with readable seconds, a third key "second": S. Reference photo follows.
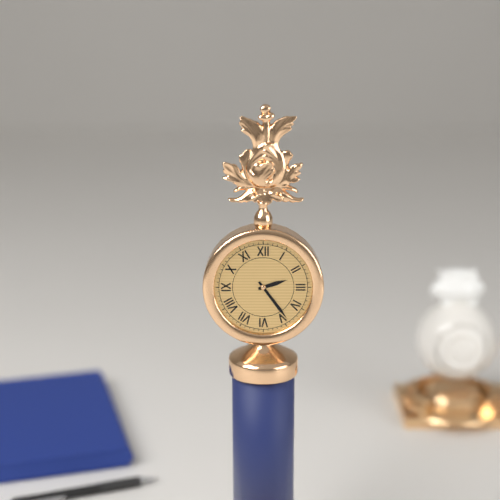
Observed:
{"hour": 2, "minute": 24}
